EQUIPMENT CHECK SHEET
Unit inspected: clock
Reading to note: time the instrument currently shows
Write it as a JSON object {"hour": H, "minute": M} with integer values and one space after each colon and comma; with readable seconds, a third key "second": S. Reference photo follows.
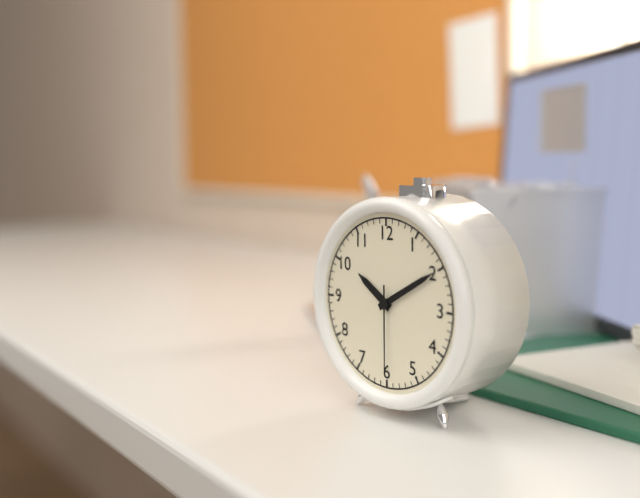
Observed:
{"hour": 10, "minute": 10, "second": 30}
